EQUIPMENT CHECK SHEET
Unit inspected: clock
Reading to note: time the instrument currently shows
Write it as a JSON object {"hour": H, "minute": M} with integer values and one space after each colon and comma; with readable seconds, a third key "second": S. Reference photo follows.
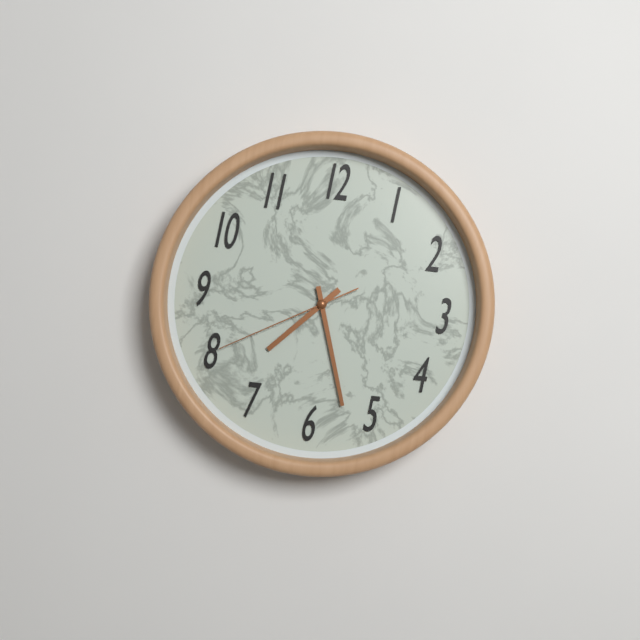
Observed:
{"hour": 7, "minute": 27, "second": 40}
